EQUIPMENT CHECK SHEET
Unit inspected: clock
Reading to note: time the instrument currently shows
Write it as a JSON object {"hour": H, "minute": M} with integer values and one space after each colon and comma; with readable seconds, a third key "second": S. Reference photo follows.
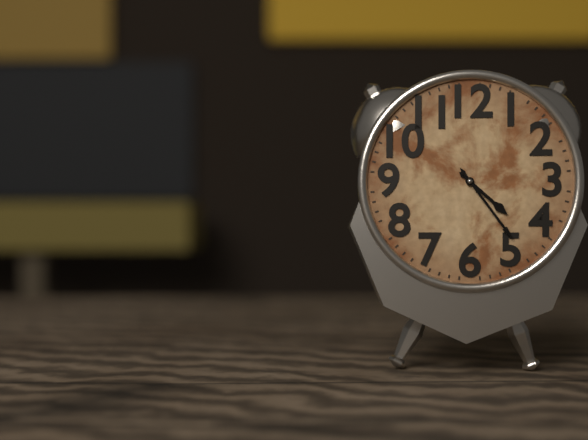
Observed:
{"hour": 4, "minute": 24}
